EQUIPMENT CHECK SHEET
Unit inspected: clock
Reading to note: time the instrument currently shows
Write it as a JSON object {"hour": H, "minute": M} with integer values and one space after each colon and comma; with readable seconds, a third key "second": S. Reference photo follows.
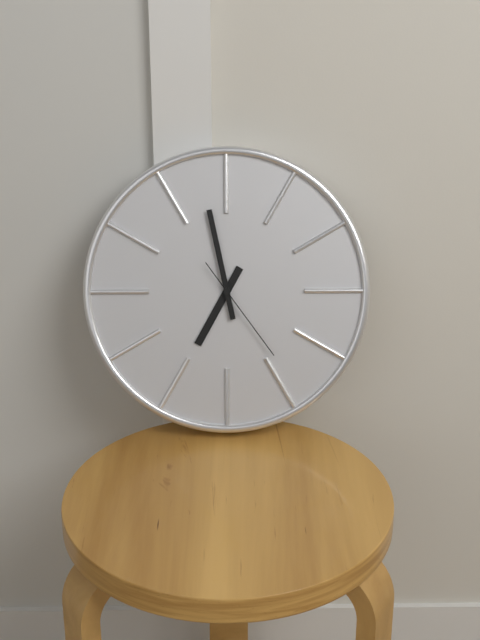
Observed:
{"hour": 6, "minute": 58, "second": 24}
